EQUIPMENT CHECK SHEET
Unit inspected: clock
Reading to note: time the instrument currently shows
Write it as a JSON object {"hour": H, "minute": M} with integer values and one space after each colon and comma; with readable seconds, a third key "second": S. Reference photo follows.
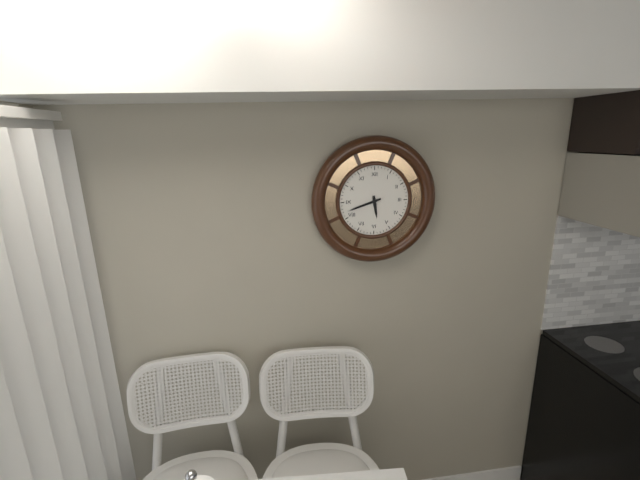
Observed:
{"hour": 5, "minute": 42}
